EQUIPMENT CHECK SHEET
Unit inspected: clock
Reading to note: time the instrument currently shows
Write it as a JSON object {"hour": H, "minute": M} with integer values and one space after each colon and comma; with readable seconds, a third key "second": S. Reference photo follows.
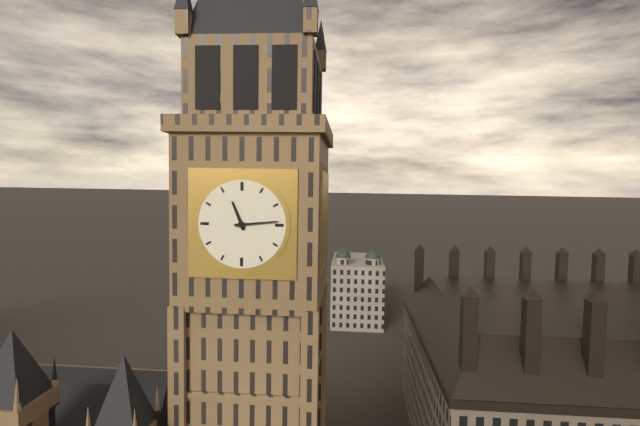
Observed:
{"hour": 11, "minute": 14}
